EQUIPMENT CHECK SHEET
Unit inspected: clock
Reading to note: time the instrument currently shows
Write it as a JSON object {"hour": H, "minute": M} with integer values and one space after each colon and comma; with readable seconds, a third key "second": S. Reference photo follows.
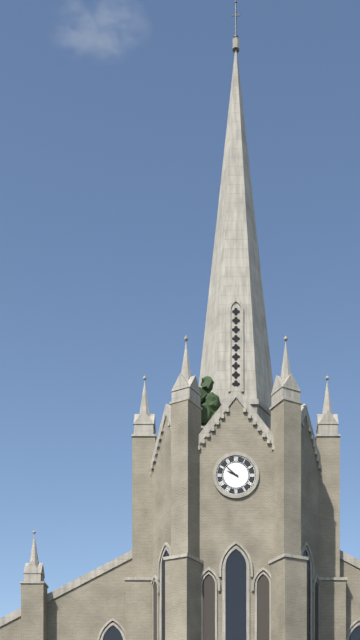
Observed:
{"hour": 9, "minute": 52}
